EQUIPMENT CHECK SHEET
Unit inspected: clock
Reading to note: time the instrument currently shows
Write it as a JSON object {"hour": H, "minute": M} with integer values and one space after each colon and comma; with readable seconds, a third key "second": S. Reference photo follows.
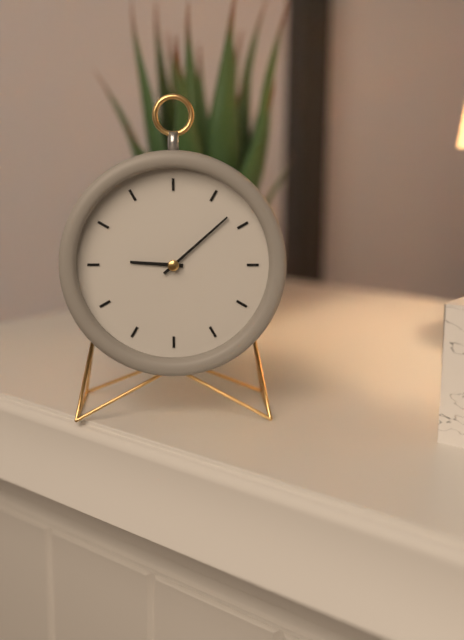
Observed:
{"hour": 9, "minute": 8}
